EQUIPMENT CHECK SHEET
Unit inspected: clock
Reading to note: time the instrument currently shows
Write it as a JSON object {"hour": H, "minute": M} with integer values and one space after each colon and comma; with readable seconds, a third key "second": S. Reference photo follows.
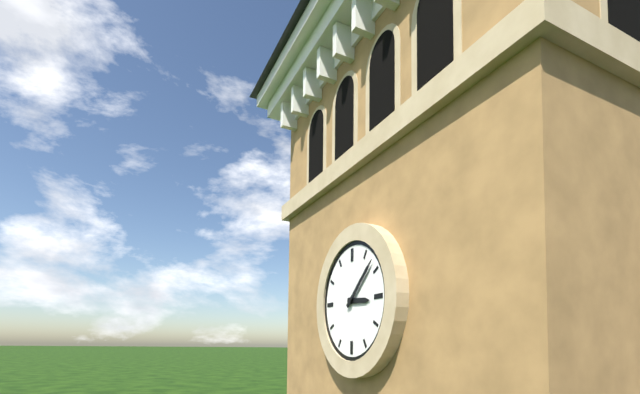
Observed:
{"hour": 3, "minute": 8}
